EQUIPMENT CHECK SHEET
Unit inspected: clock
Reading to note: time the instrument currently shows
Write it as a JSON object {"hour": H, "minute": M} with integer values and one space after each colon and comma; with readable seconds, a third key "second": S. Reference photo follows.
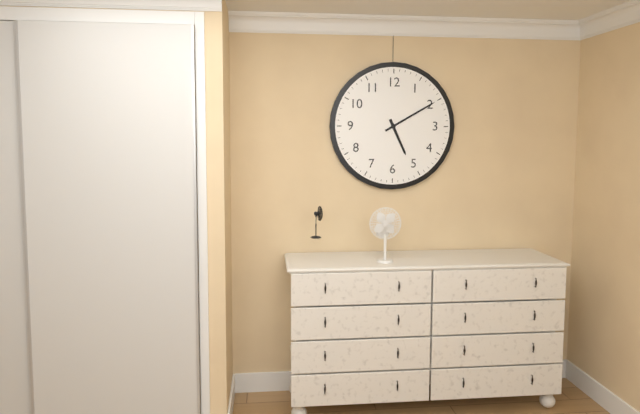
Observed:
{"hour": 5, "minute": 10}
